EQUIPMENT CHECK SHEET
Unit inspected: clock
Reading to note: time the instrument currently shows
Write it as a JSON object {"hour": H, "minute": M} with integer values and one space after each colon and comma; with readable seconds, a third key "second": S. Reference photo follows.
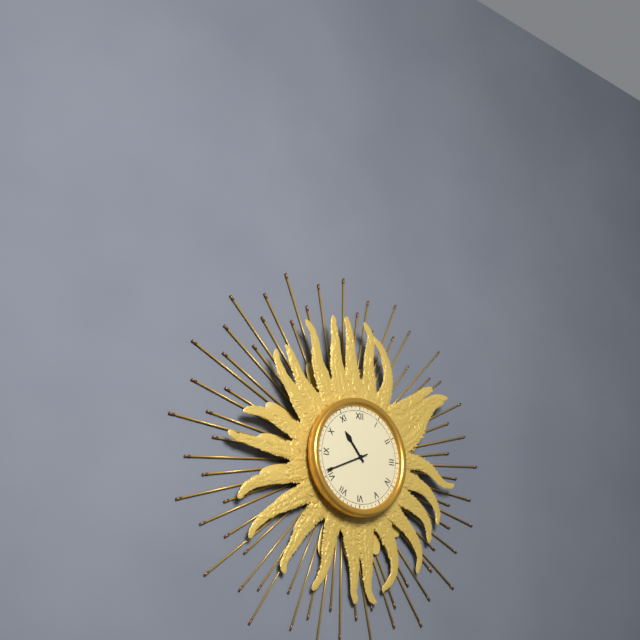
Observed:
{"hour": 10, "minute": 41}
